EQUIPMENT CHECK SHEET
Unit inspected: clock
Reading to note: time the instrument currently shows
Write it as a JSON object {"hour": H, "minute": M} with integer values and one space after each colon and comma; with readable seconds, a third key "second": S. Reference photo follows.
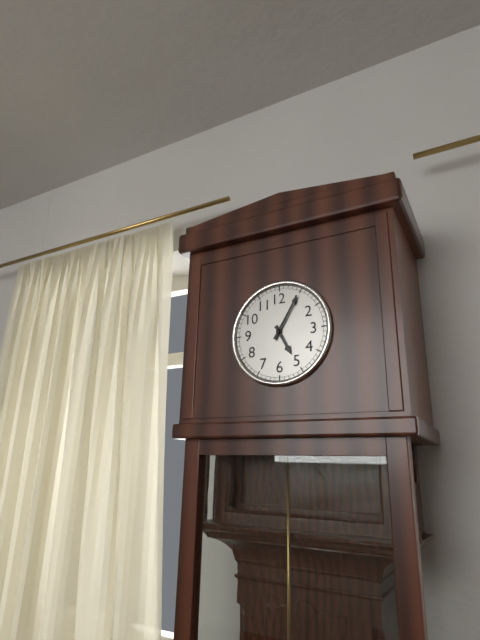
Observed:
{"hour": 5, "minute": 5}
